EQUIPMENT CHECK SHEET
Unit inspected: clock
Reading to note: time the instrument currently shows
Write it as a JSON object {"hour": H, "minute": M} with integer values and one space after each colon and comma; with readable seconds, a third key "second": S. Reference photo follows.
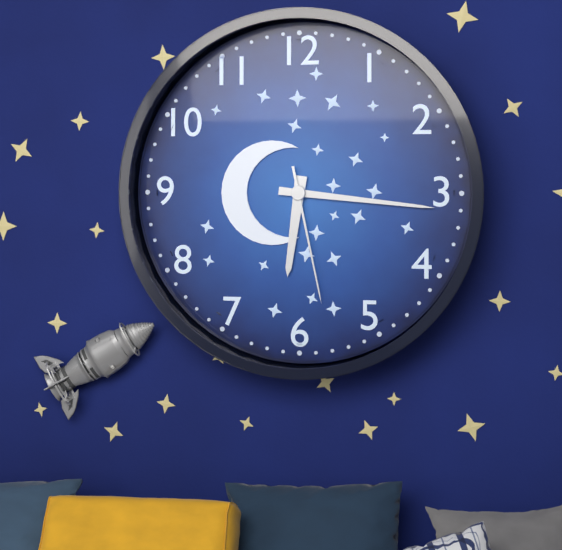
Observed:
{"hour": 6, "minute": 16, "second": 28}
